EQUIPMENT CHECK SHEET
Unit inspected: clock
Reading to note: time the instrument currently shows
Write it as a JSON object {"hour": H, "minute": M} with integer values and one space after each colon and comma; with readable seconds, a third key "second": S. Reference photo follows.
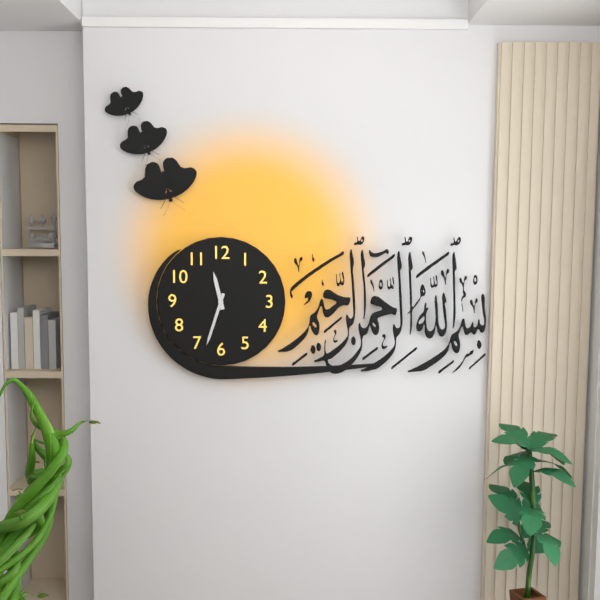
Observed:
{"hour": 11, "minute": 33}
